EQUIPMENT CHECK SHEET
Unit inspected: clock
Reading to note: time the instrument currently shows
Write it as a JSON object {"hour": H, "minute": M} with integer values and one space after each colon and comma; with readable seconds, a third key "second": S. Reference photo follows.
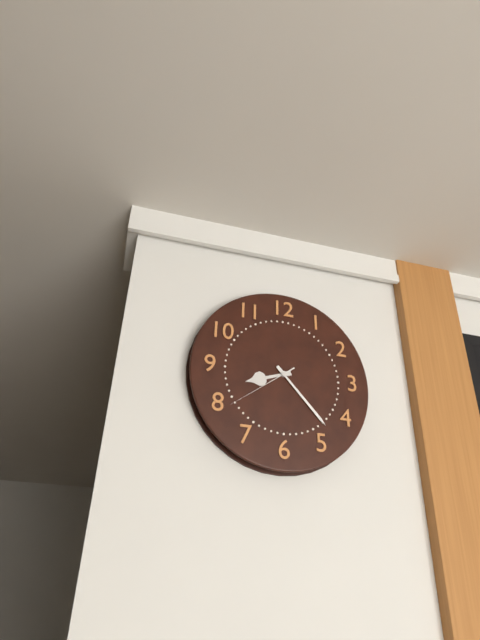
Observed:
{"hour": 8, "minute": 23, "second": 39}
